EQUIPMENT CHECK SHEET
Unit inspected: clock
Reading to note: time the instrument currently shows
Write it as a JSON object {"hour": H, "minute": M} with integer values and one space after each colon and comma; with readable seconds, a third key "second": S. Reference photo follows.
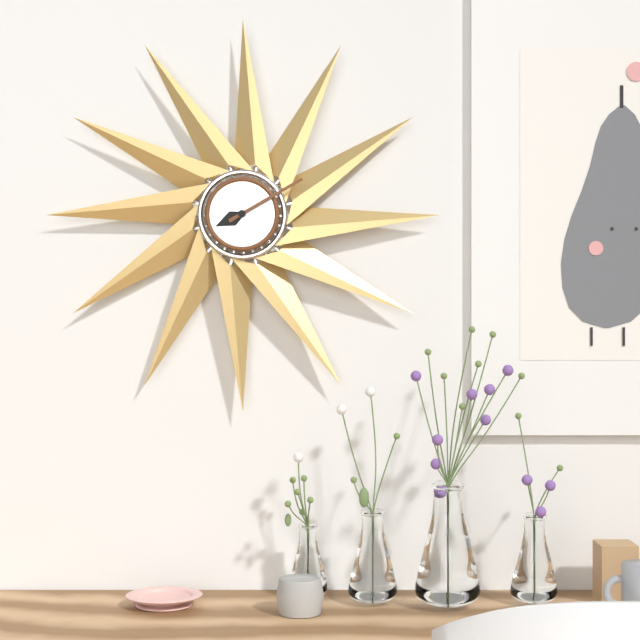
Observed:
{"hour": 8, "minute": 10}
